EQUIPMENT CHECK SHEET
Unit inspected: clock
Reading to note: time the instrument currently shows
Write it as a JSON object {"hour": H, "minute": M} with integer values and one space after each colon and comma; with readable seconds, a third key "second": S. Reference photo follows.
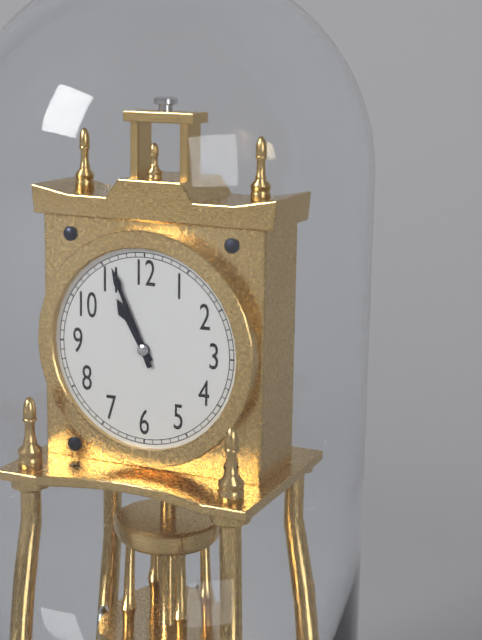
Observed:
{"hour": 10, "minute": 56}
